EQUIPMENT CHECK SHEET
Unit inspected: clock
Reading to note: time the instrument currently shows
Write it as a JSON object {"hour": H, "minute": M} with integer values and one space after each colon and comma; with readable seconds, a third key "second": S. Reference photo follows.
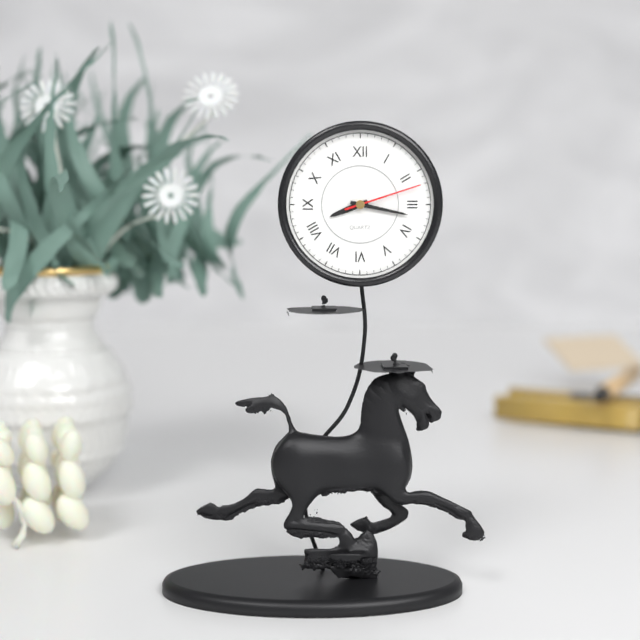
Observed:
{"hour": 8, "minute": 17, "second": 12}
